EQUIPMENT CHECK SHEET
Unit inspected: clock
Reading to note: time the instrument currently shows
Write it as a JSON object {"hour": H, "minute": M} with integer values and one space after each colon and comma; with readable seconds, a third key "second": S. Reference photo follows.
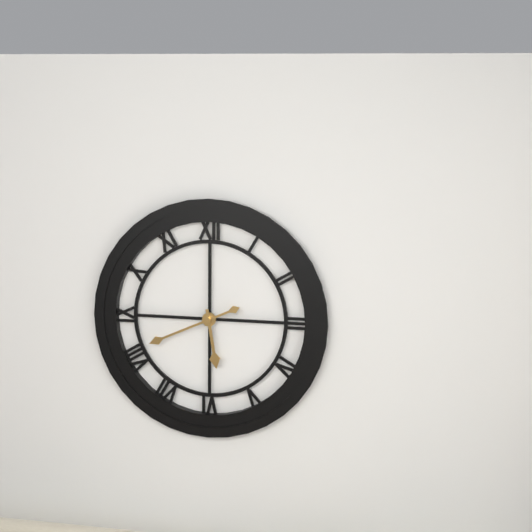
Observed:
{"hour": 5, "minute": 41}
